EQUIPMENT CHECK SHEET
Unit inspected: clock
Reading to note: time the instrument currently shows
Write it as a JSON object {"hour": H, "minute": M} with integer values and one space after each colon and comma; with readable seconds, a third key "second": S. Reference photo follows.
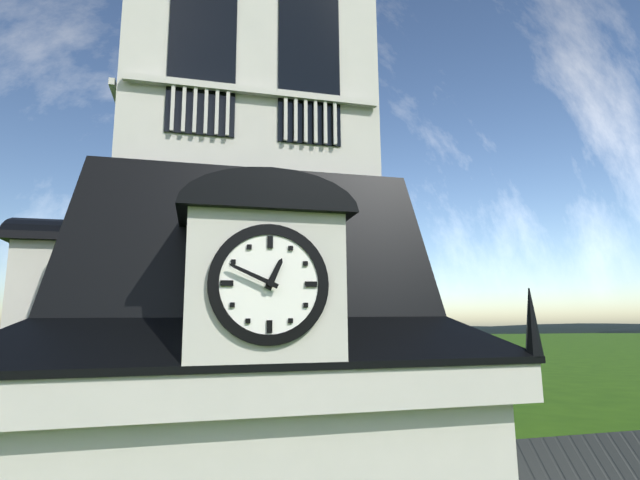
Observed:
{"hour": 12, "minute": 49}
